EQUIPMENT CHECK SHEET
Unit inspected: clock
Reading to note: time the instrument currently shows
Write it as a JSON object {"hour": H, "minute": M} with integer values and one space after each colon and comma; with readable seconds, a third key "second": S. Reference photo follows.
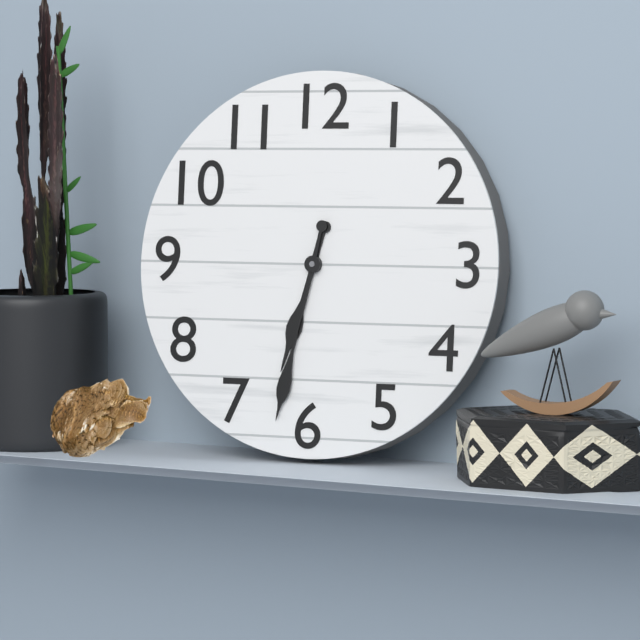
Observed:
{"hour": 6, "minute": 32}
